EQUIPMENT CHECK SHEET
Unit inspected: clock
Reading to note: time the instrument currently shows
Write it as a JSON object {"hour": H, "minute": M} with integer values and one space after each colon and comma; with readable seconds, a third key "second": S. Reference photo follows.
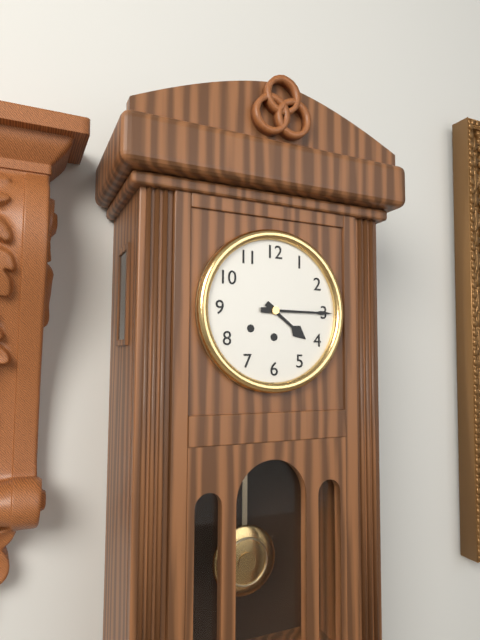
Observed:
{"hour": 4, "minute": 15}
